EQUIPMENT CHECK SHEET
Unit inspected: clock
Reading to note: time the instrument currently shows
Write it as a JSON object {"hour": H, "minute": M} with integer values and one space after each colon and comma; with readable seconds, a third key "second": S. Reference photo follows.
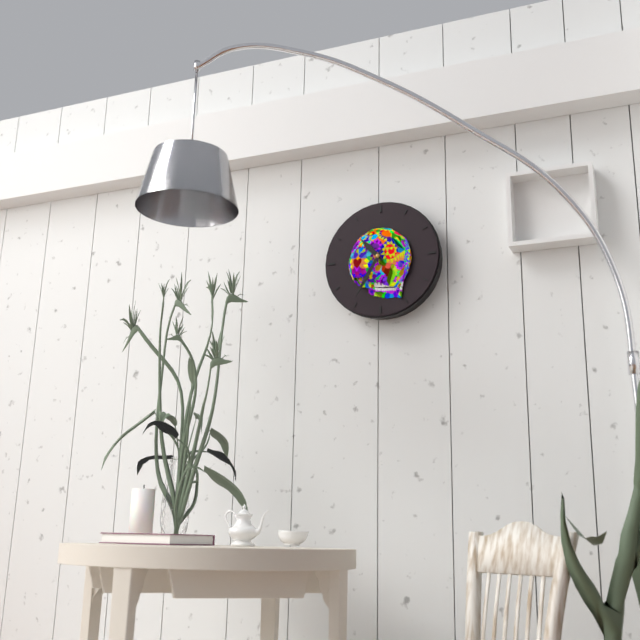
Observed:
{"hour": 10, "minute": 35}
